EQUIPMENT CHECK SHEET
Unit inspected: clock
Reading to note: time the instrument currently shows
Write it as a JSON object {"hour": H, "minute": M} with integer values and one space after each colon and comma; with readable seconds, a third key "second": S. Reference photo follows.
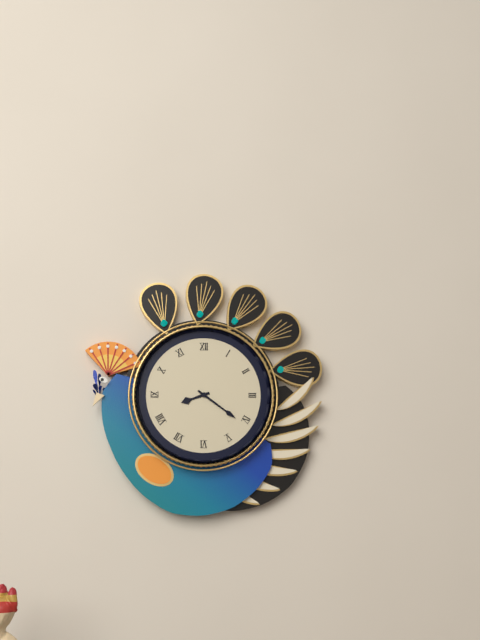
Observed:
{"hour": 8, "minute": 21}
